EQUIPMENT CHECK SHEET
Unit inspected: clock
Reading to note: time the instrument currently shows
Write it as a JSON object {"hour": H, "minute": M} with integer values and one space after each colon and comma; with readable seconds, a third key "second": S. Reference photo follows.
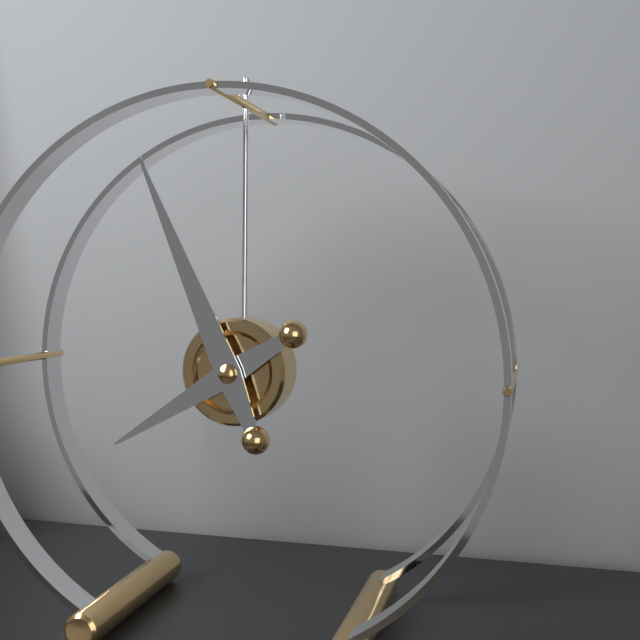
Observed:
{"hour": 7, "minute": 56}
